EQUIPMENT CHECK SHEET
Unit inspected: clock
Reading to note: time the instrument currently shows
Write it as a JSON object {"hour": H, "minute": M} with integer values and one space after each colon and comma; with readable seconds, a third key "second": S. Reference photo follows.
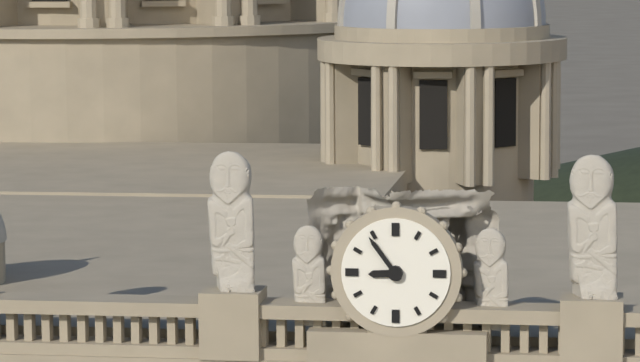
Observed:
{"hour": 8, "minute": 54}
